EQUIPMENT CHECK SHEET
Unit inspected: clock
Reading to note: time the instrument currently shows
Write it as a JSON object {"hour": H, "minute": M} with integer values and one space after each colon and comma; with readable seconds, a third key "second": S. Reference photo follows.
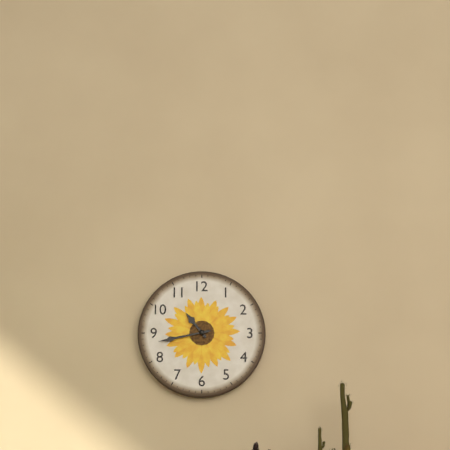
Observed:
{"hour": 10, "minute": 43}
